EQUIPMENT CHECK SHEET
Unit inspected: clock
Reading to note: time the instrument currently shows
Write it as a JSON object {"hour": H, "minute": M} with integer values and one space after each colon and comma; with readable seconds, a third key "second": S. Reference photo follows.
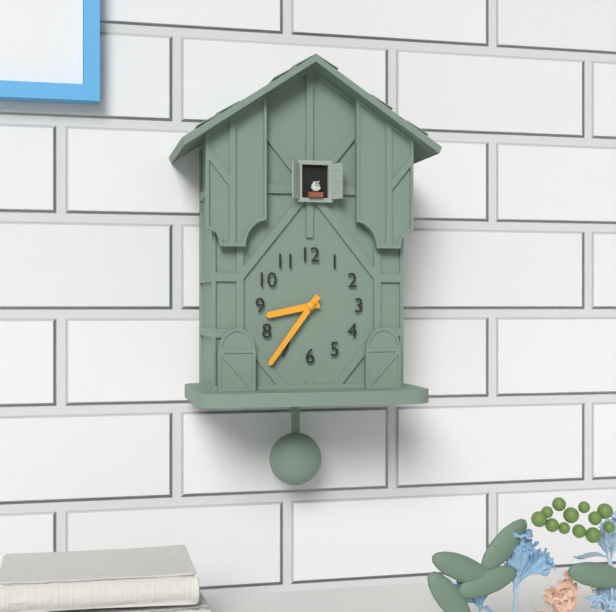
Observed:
{"hour": 8, "minute": 36}
